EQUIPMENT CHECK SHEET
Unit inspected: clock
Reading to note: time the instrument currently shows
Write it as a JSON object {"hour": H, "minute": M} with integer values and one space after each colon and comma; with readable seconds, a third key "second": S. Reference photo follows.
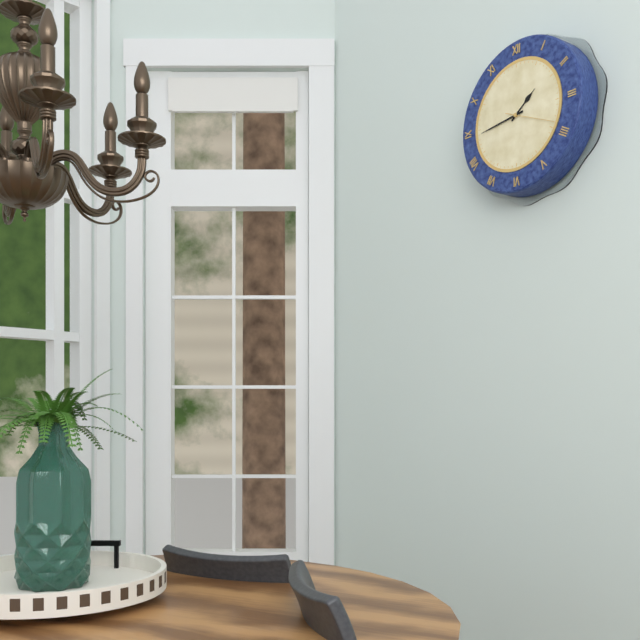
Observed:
{"hour": 1, "minute": 44}
